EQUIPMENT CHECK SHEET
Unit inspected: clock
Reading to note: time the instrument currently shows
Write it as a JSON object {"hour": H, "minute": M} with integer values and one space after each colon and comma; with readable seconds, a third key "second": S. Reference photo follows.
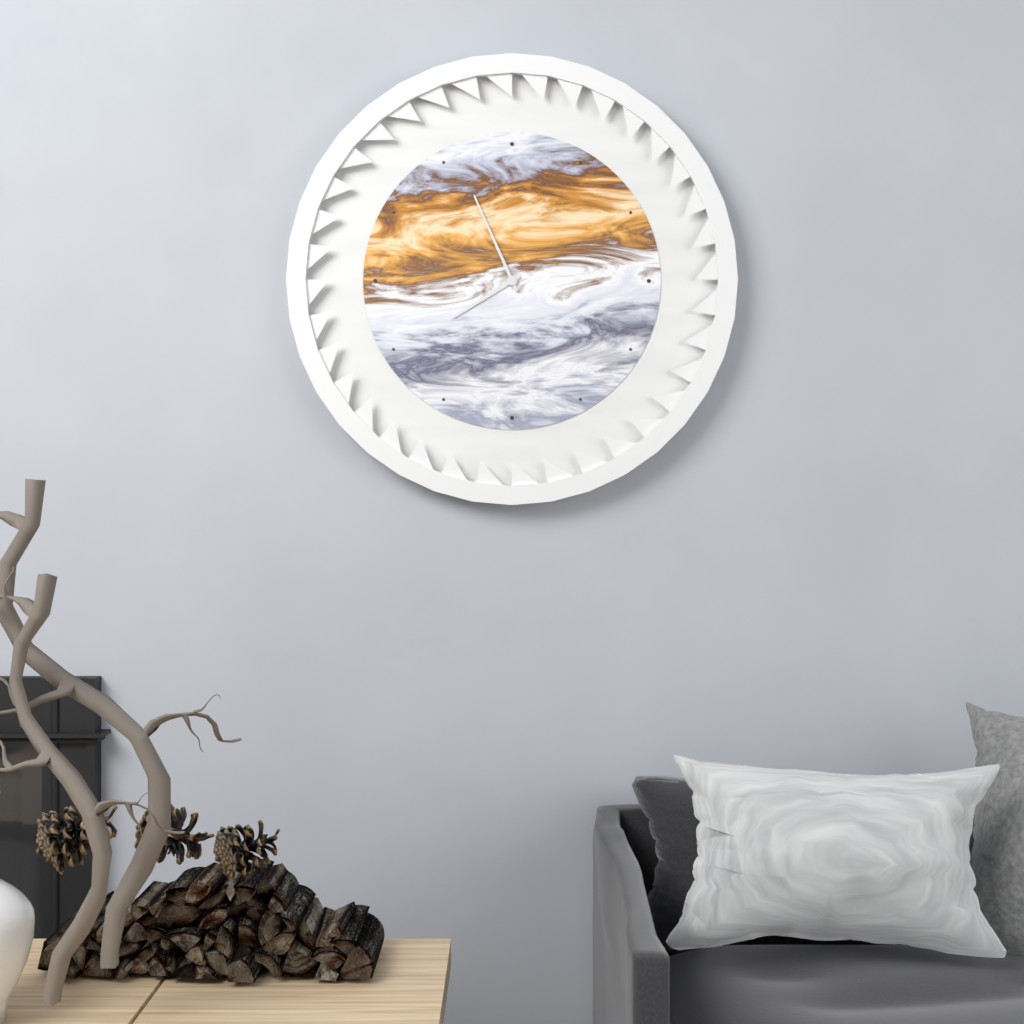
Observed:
{"hour": 7, "minute": 56}
